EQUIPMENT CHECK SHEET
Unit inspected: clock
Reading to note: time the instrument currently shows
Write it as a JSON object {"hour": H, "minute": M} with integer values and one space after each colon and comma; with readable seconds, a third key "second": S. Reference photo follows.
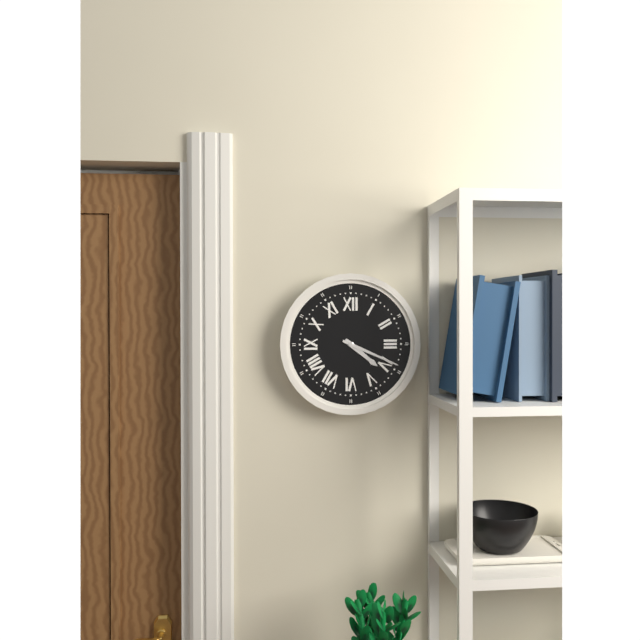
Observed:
{"hour": 4, "minute": 19}
